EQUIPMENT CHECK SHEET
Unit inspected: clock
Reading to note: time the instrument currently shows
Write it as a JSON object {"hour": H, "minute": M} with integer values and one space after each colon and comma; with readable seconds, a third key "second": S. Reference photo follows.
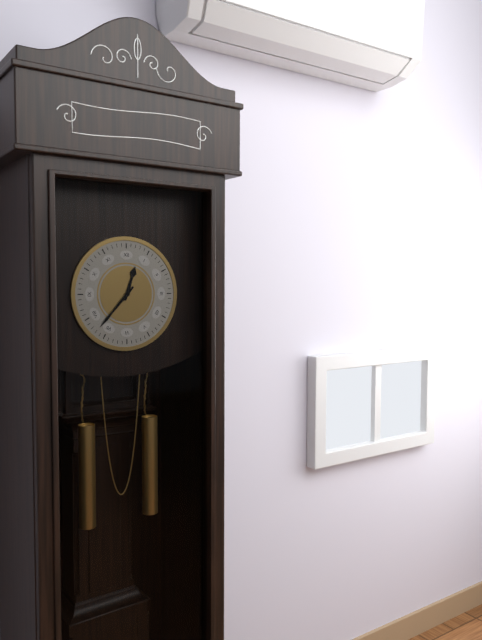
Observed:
{"hour": 12, "minute": 37}
